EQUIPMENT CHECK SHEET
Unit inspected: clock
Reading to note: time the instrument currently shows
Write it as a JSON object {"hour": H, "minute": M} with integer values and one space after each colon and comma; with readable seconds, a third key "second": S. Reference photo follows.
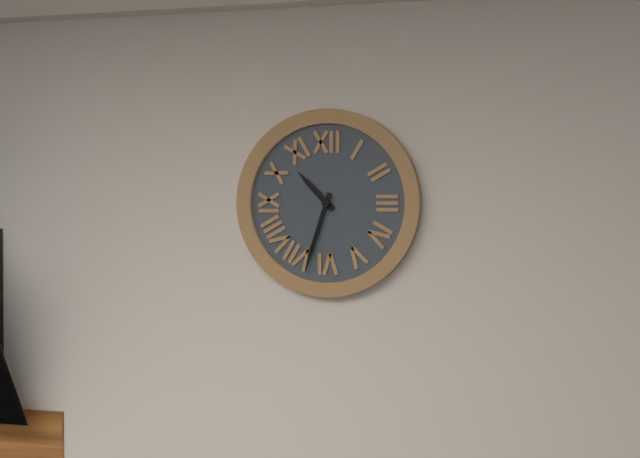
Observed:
{"hour": 10, "minute": 33}
